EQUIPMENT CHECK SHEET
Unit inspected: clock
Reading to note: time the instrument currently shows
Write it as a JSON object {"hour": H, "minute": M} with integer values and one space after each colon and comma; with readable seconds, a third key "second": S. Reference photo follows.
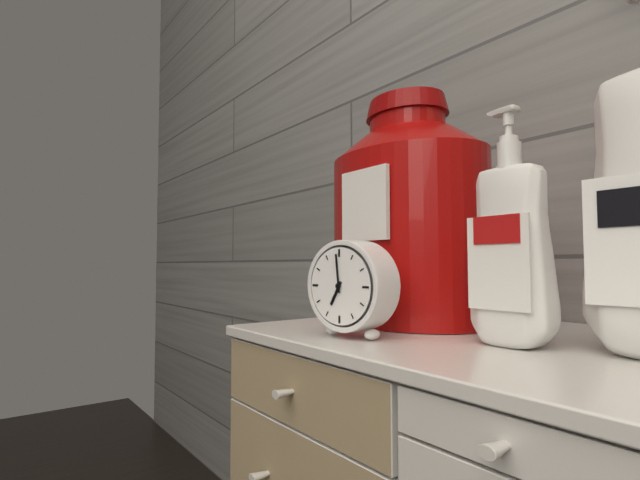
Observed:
{"hour": 6, "minute": 59}
